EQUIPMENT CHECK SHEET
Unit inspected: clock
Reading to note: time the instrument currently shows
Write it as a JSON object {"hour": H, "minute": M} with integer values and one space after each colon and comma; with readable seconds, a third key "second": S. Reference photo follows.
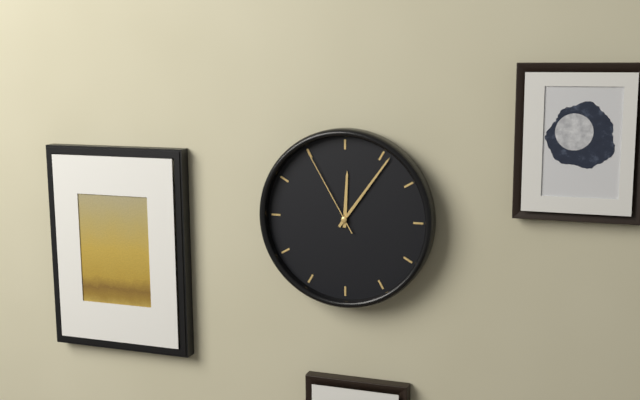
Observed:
{"hour": 12, "minute": 6, "second": 55}
